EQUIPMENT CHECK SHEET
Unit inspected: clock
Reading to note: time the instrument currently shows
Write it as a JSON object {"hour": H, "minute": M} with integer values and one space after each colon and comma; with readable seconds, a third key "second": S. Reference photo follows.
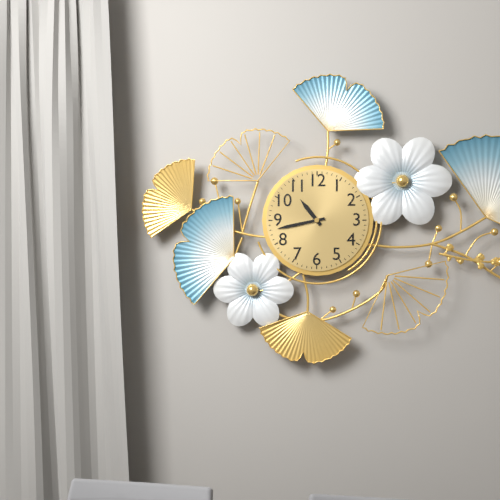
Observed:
{"hour": 10, "minute": 43}
